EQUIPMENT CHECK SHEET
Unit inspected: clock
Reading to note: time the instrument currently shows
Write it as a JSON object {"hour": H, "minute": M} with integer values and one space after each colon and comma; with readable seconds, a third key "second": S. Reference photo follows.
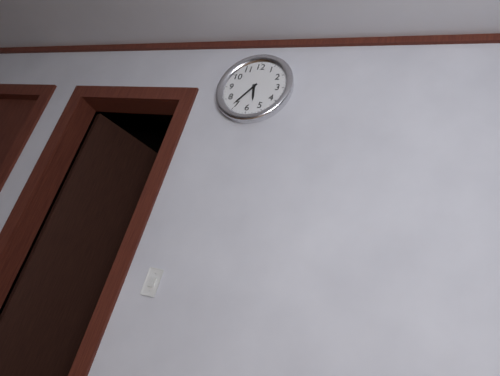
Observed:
{"hour": 5, "minute": 36}
